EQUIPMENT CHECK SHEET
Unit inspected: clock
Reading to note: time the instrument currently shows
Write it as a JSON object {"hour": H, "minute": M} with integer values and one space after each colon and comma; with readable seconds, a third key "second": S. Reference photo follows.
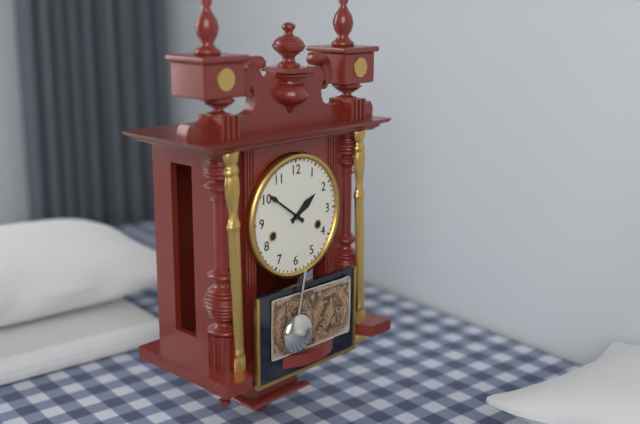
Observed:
{"hour": 1, "minute": 51}
